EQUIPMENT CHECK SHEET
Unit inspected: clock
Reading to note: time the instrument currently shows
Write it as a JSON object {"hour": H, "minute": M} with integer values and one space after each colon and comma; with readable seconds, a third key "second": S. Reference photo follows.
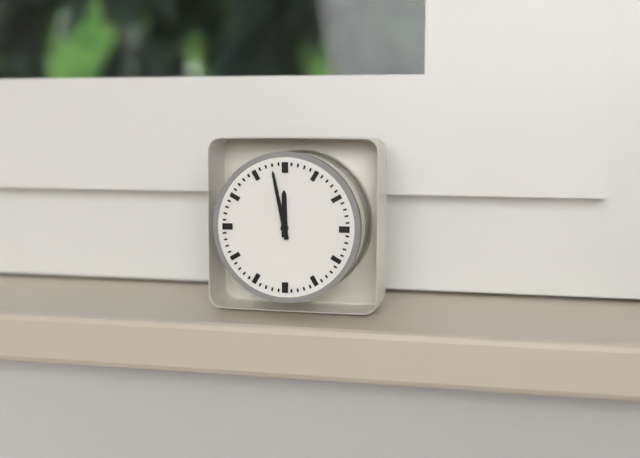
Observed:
{"hour": 11, "minute": 58}
